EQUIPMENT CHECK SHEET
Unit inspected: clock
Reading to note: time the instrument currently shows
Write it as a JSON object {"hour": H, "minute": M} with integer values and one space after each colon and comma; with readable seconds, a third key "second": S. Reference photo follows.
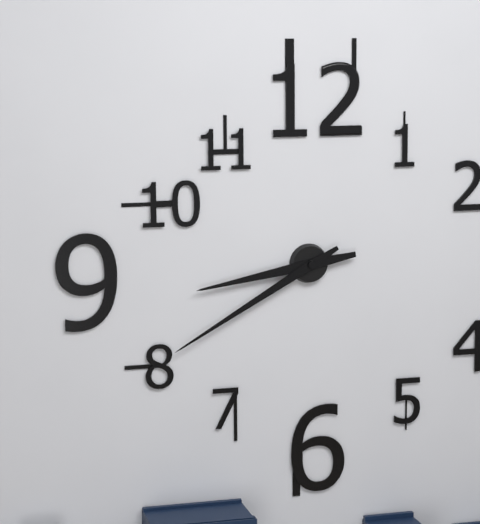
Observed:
{"hour": 8, "minute": 40}
